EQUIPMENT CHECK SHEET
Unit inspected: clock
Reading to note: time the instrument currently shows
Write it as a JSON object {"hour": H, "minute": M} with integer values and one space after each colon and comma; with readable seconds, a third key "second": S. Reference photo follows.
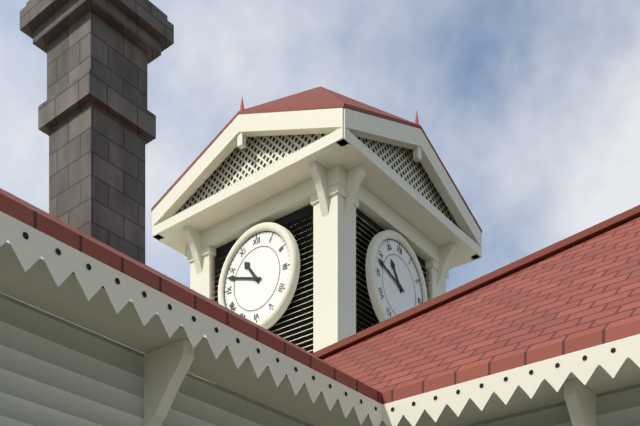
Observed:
{"hour": 10, "minute": 48}
